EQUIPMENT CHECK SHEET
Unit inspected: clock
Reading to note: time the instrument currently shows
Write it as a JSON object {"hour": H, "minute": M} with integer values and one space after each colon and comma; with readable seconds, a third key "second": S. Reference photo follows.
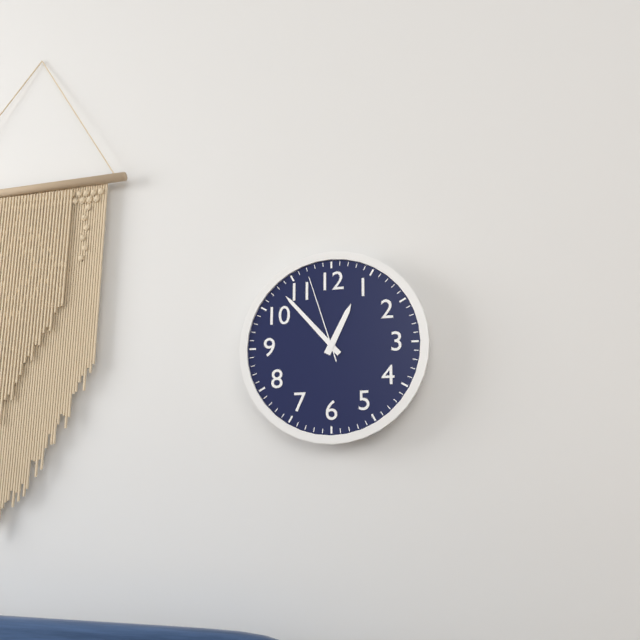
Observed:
{"hour": 12, "minute": 53, "second": 57}
